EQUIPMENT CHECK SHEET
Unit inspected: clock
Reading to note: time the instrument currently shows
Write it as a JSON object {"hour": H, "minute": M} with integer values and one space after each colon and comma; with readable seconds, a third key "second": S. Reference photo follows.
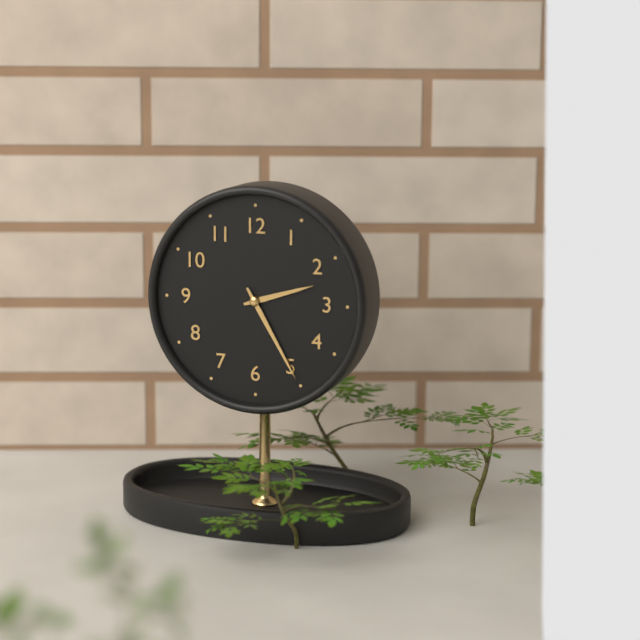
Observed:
{"hour": 2, "minute": 25}
